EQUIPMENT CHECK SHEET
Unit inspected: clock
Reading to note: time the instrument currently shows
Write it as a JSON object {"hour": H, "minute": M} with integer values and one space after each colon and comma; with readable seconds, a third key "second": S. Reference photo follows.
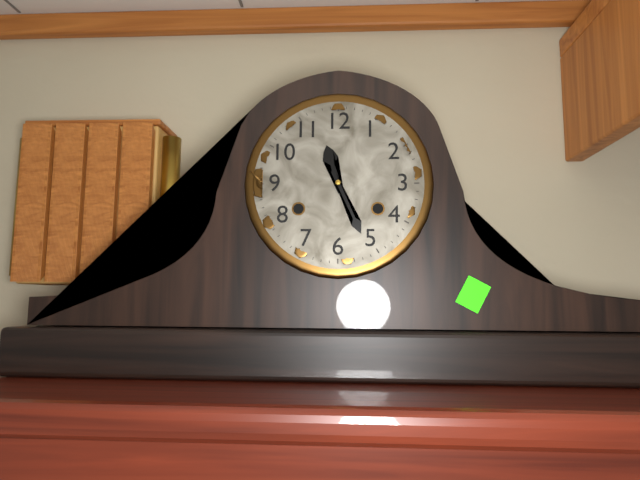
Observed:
{"hour": 11, "minute": 26}
